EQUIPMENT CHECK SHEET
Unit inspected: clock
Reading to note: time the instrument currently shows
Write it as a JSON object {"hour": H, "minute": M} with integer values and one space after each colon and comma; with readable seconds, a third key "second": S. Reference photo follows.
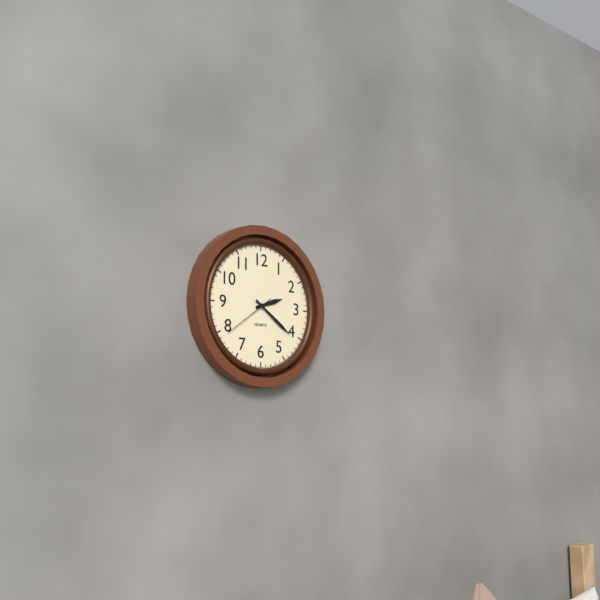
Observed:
{"hour": 2, "minute": 21, "second": 39}
